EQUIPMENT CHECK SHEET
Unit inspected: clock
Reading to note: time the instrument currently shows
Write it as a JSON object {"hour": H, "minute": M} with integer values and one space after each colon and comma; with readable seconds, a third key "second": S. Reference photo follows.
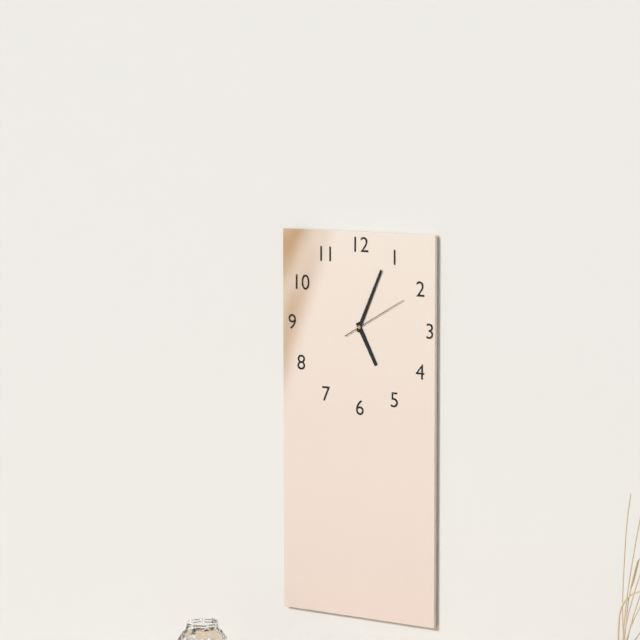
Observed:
{"hour": 5, "minute": 4, "second": 10}
